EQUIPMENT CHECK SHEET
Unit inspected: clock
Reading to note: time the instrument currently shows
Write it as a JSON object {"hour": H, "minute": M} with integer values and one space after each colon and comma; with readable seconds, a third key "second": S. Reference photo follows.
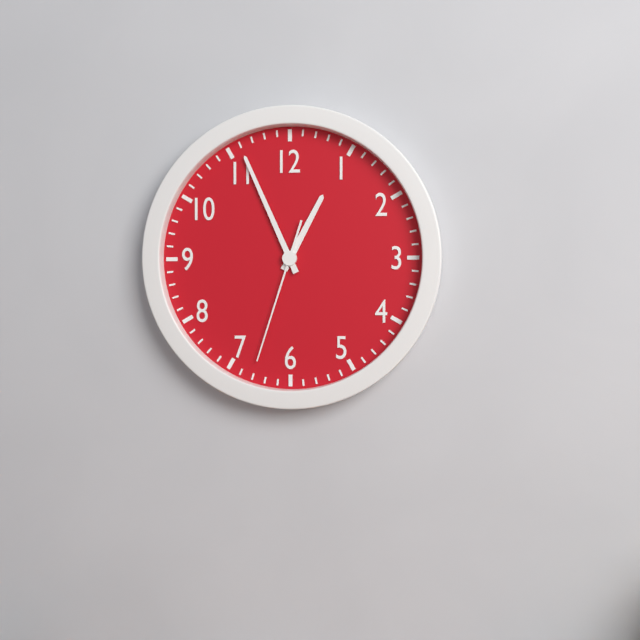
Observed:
{"hour": 12, "minute": 56, "second": 33}
